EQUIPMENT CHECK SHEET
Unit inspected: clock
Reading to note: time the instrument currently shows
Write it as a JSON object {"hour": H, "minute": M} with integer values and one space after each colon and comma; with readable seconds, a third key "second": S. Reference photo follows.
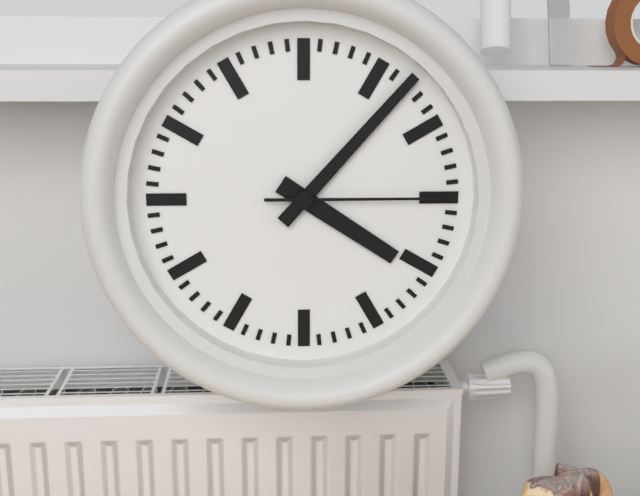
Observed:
{"hour": 4, "minute": 7, "second": 15}
